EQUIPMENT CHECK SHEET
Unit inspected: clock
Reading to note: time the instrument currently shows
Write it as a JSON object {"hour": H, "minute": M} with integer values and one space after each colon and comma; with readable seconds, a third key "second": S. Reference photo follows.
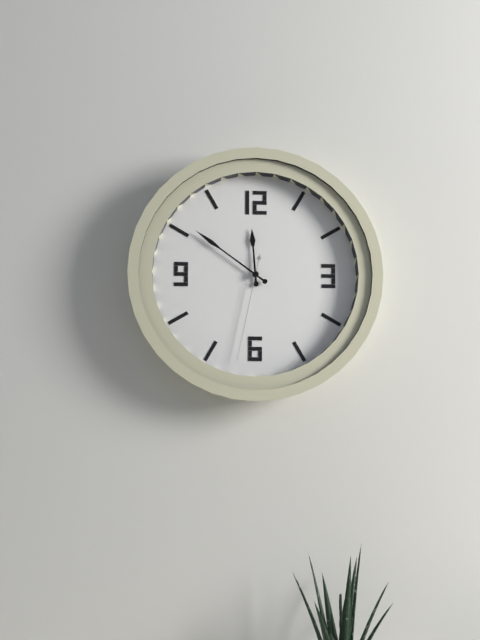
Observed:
{"hour": 11, "minute": 51, "second": 32}
